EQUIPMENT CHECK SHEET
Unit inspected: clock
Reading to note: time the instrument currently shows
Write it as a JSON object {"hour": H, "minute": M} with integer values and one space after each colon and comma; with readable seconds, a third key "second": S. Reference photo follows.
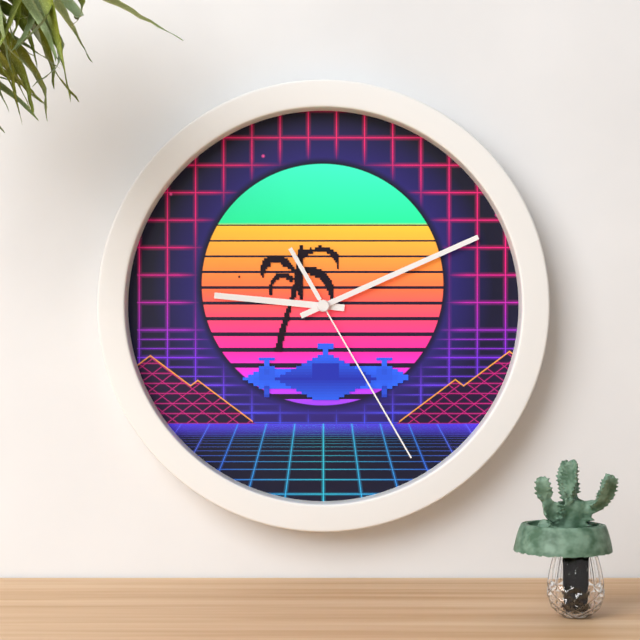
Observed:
{"hour": 9, "minute": 11, "second": 25}
